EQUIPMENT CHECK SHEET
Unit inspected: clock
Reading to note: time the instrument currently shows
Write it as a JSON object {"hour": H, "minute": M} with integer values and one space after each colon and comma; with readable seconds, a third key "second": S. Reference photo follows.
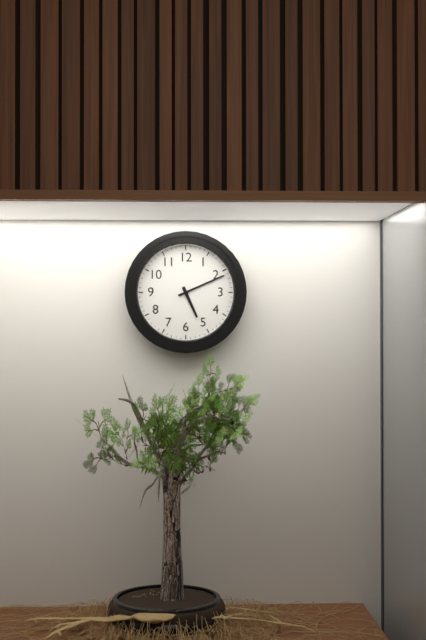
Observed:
{"hour": 5, "minute": 11}
